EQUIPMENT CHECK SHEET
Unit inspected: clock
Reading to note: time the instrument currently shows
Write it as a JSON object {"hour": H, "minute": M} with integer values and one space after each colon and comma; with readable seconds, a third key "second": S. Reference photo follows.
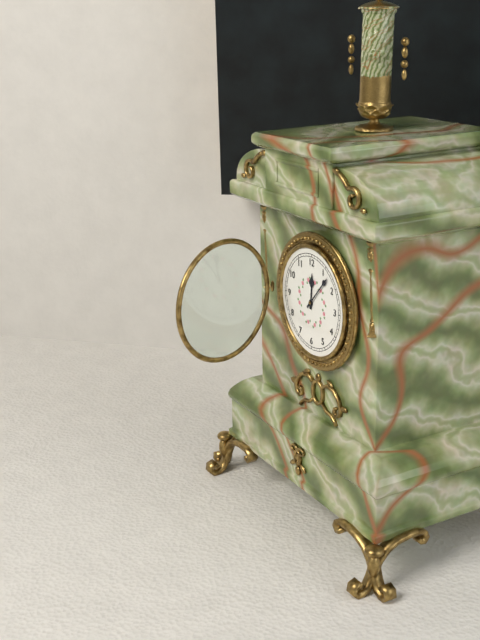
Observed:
{"hour": 12, "minute": 7}
